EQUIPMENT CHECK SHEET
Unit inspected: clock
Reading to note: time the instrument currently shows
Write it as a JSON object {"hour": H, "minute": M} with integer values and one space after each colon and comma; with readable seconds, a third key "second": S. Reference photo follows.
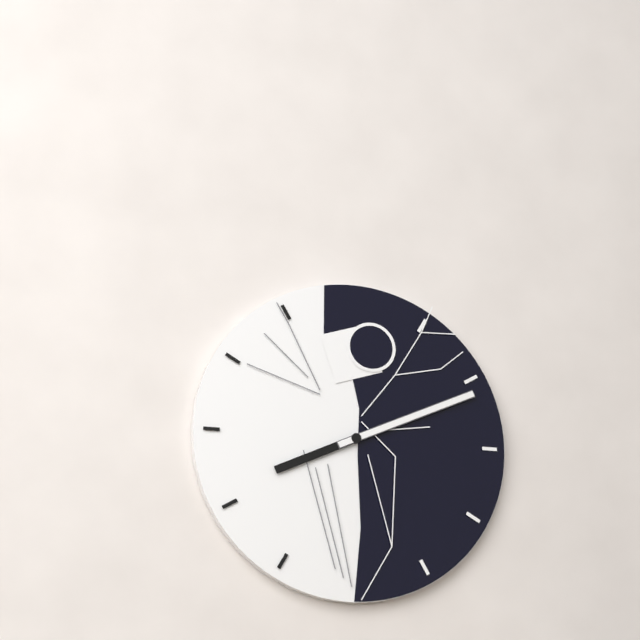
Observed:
{"hour": 8, "minute": 11}
